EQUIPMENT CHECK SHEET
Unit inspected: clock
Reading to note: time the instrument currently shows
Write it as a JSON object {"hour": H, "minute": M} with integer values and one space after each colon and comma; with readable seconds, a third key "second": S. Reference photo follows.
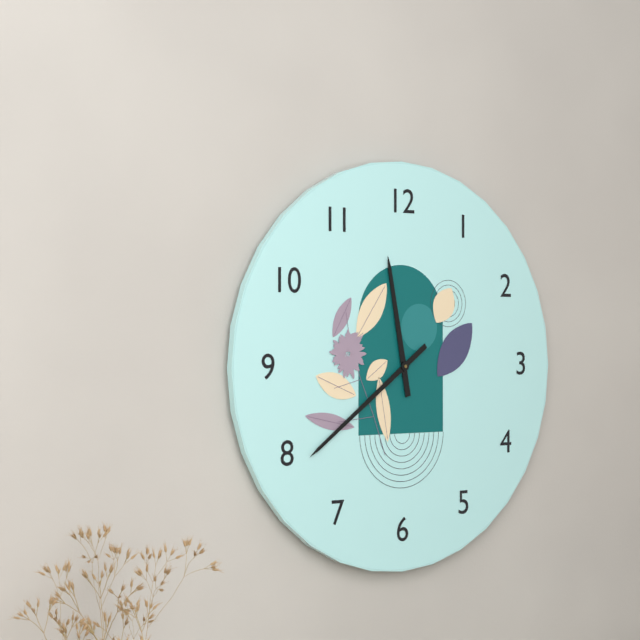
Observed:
{"hour": 11, "minute": 39}
